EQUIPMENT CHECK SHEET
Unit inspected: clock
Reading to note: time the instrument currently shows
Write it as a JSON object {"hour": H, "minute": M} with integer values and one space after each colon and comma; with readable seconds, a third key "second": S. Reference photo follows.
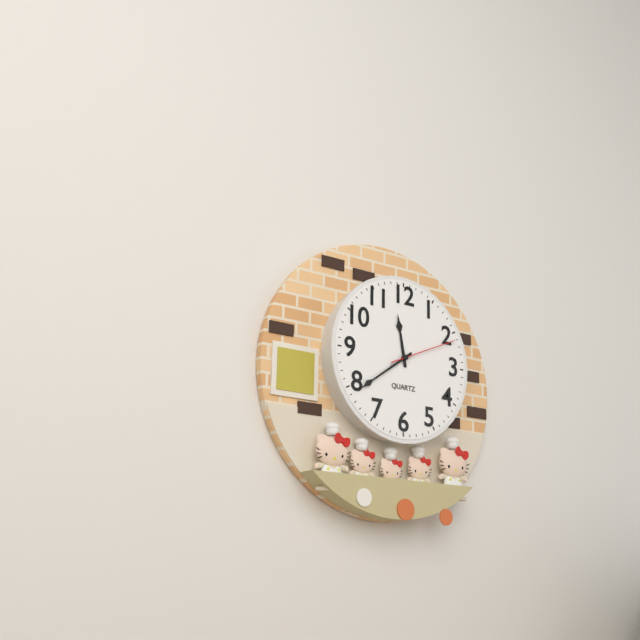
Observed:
{"hour": 11, "minute": 39, "second": 11}
